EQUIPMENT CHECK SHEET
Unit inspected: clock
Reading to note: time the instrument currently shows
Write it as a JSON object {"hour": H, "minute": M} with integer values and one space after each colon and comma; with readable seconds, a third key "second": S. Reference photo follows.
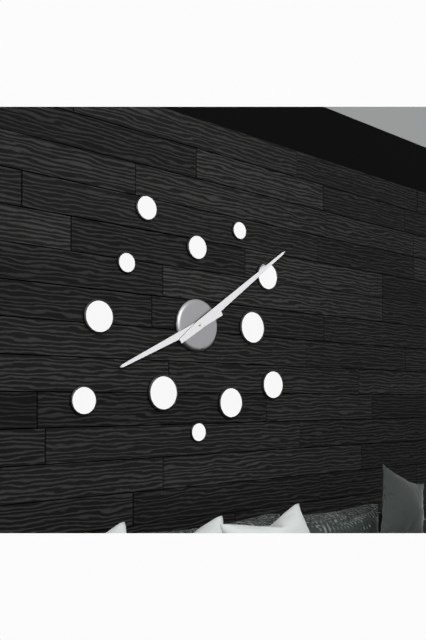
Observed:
{"hour": 8, "minute": 9}
